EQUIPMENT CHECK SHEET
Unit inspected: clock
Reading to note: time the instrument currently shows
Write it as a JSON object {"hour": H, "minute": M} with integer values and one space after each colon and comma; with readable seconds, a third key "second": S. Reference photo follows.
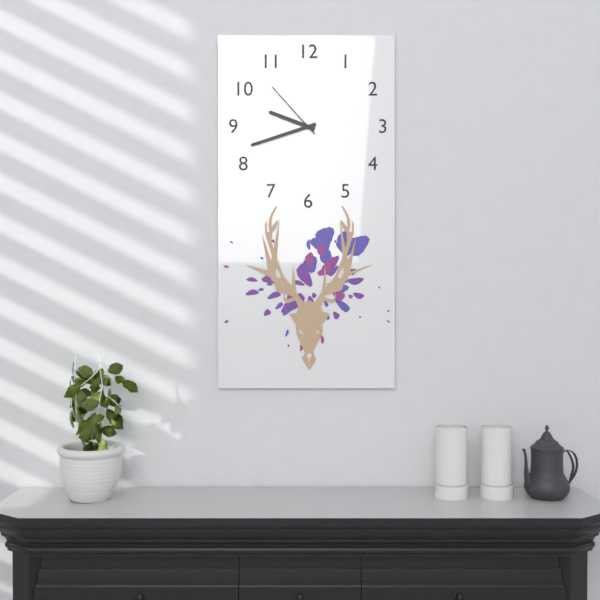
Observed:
{"hour": 9, "minute": 42, "second": 53}
